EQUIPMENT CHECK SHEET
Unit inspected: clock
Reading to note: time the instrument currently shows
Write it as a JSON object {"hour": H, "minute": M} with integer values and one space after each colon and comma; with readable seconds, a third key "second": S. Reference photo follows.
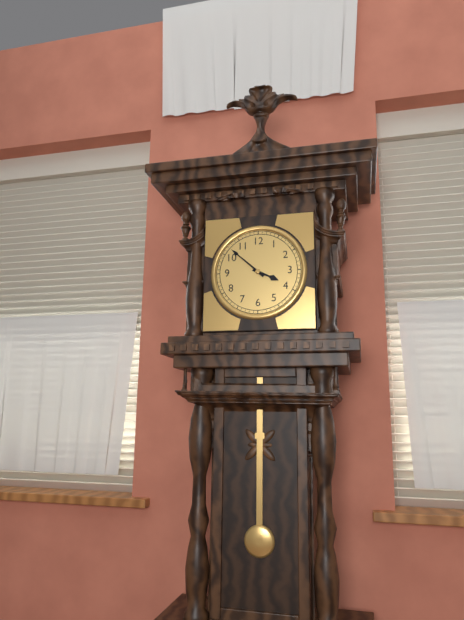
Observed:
{"hour": 3, "minute": 52}
